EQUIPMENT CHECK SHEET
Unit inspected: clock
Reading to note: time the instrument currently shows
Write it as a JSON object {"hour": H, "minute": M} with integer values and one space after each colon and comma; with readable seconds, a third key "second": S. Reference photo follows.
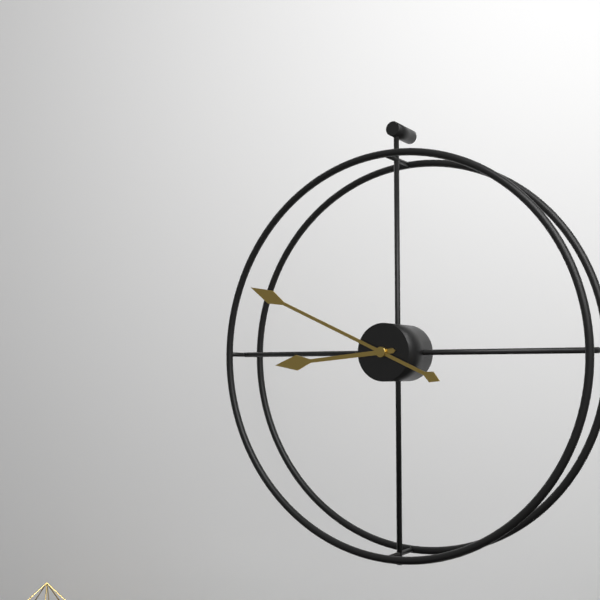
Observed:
{"hour": 8, "minute": 49}
